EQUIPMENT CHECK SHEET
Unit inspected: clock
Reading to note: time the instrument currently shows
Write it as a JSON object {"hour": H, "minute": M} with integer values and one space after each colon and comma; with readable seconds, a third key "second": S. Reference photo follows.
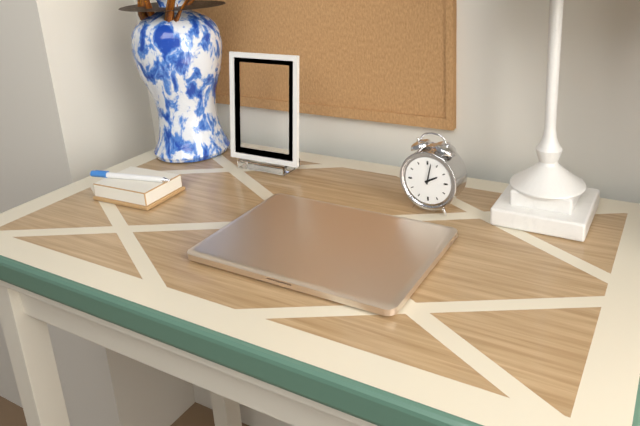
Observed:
{"hour": 2, "minute": 2}
